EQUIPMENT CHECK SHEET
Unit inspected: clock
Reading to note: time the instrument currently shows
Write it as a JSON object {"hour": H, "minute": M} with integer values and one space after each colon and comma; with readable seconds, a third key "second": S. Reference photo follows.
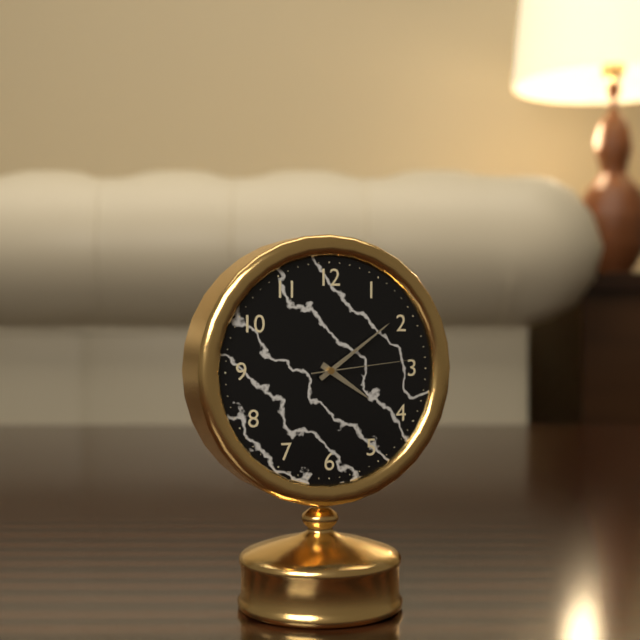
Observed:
{"hour": 4, "minute": 9, "second": 14}
